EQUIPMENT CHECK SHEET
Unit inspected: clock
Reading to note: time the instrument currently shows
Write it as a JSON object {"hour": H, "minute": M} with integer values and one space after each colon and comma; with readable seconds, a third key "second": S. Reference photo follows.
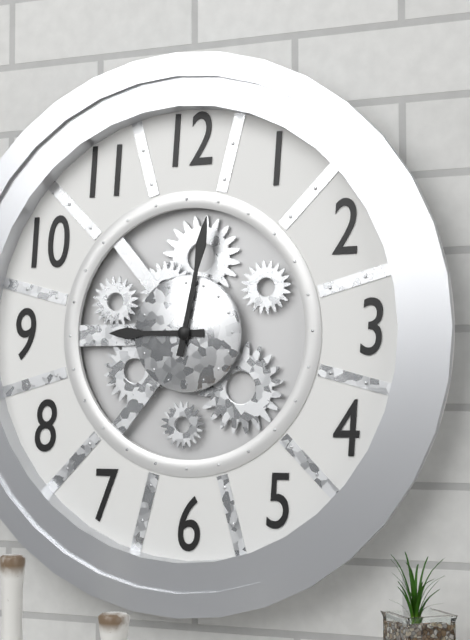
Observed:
{"hour": 9, "minute": 2}
